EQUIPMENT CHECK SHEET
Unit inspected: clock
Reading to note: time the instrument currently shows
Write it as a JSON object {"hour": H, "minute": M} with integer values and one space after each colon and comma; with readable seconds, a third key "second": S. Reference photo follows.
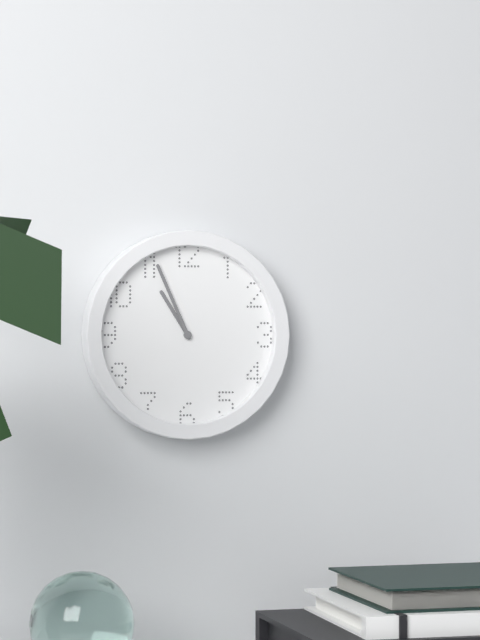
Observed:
{"hour": 10, "minute": 56}
